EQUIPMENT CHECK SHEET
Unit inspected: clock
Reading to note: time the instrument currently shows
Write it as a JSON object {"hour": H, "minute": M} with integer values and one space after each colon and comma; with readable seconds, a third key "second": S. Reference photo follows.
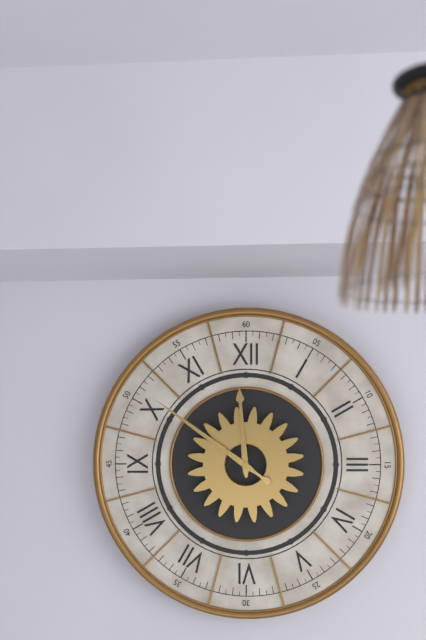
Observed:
{"hour": 11, "minute": 51}
